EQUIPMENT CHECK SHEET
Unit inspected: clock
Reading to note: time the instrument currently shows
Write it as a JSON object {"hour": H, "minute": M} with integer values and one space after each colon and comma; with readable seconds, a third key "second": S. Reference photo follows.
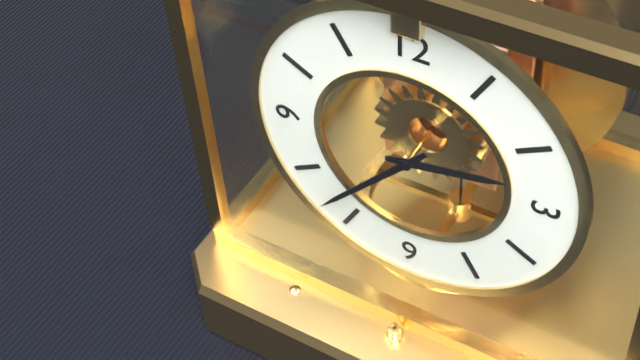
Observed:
{"hour": 2, "minute": 37}
